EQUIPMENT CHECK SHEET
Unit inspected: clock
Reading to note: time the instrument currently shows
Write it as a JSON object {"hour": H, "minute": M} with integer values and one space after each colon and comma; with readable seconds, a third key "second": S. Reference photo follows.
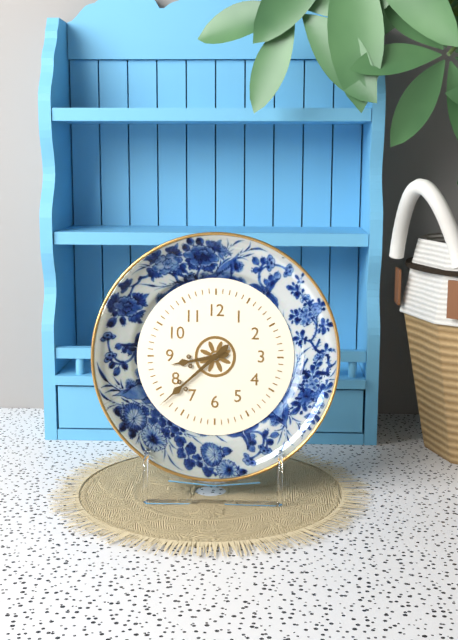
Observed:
{"hour": 8, "minute": 38}
